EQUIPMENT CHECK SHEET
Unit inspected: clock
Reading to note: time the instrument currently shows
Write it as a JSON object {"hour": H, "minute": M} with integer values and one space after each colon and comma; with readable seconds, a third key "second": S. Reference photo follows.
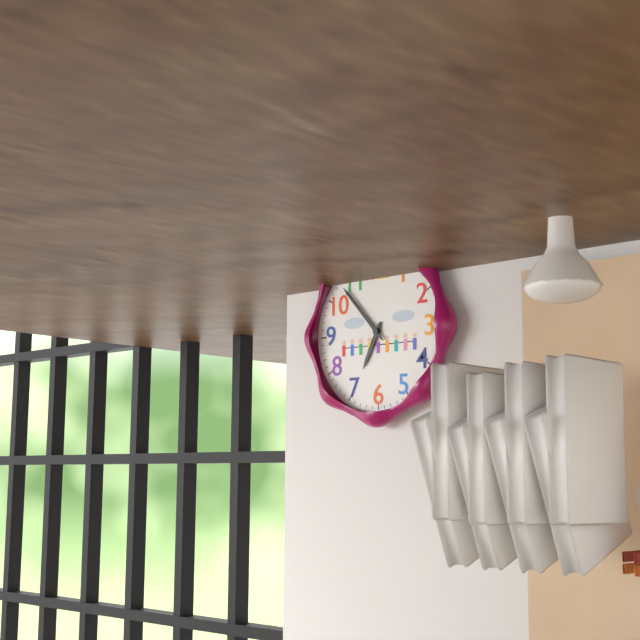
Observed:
{"hour": 6, "minute": 53}
